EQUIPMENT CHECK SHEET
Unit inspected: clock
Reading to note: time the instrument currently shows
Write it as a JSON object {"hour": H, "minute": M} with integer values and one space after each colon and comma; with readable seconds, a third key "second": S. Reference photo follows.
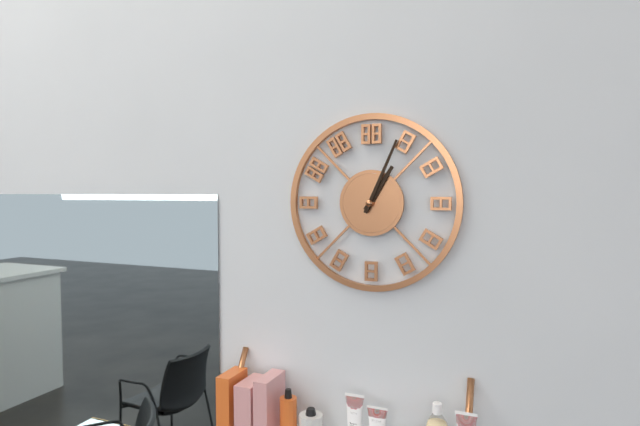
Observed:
{"hour": 1, "minute": 4}
